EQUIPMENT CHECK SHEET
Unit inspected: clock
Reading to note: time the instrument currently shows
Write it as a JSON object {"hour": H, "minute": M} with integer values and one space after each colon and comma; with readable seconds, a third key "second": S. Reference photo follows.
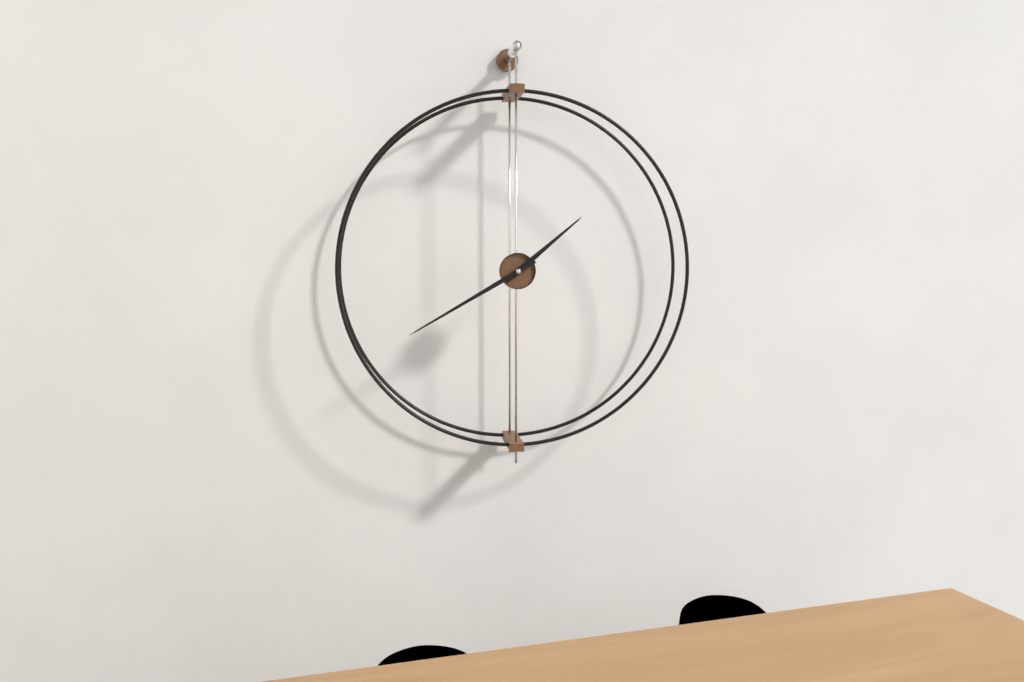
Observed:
{"hour": 1, "minute": 40}
